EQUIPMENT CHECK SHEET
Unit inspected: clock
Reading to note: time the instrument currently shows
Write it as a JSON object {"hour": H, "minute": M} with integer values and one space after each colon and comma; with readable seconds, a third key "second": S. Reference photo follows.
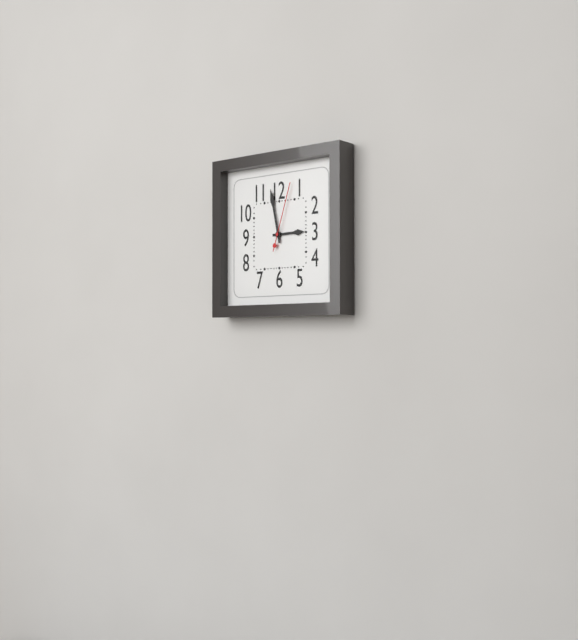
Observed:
{"hour": 2, "minute": 58, "second": 3}
